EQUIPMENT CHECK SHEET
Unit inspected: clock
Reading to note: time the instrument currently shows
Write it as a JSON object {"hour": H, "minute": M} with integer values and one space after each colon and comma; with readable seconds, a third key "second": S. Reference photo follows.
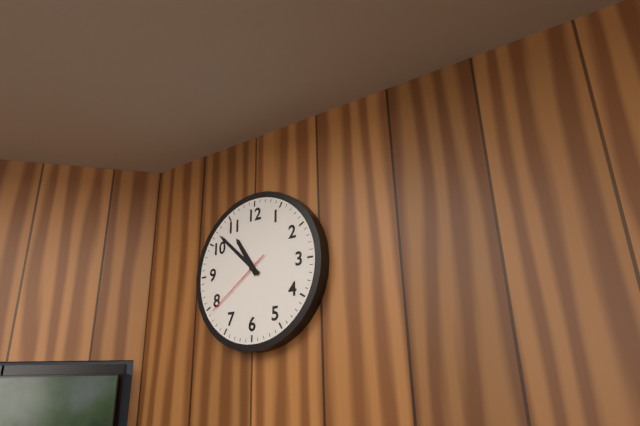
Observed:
{"hour": 10, "minute": 52, "second": 39}
